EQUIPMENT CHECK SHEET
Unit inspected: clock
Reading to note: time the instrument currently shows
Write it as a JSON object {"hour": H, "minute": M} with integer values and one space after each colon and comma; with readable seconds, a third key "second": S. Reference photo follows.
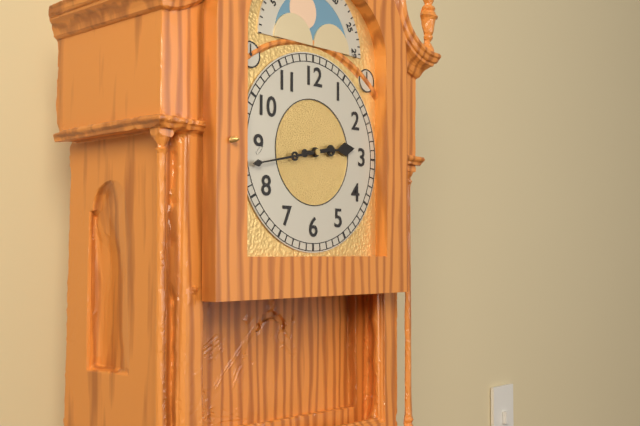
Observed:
{"hour": 2, "minute": 43}
